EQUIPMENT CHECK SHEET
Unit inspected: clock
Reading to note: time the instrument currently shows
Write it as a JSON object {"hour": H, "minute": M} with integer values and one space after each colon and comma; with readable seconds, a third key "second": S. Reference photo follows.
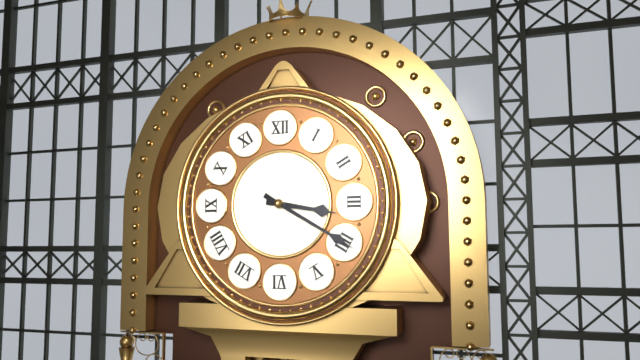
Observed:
{"hour": 3, "minute": 20}
